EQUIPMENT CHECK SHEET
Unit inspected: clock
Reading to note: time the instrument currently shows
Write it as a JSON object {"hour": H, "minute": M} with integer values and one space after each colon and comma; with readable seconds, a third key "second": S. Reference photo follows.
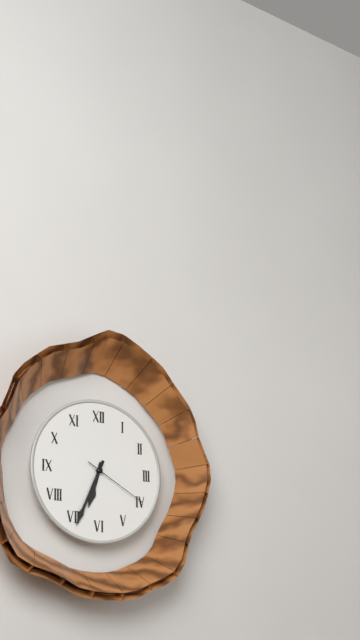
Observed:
{"hour": 6, "minute": 34, "second": 20}
